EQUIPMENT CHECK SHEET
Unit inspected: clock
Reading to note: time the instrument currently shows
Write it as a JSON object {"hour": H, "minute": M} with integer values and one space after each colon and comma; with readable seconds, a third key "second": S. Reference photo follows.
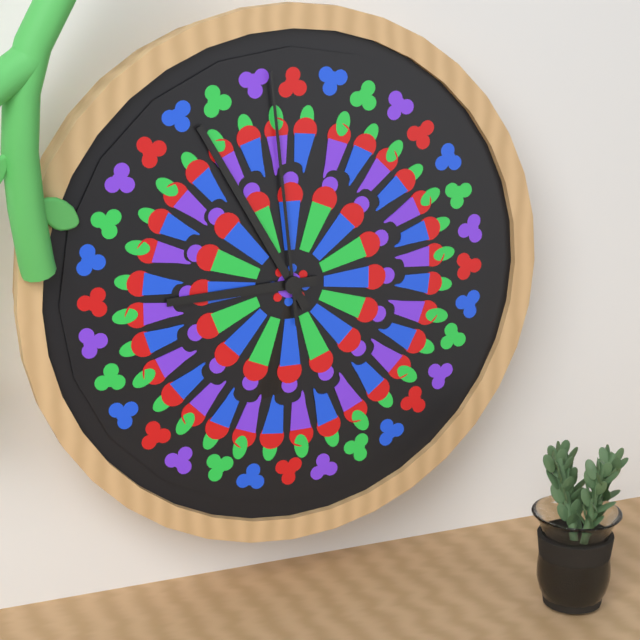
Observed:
{"hour": 8, "minute": 55, "second": 59}
